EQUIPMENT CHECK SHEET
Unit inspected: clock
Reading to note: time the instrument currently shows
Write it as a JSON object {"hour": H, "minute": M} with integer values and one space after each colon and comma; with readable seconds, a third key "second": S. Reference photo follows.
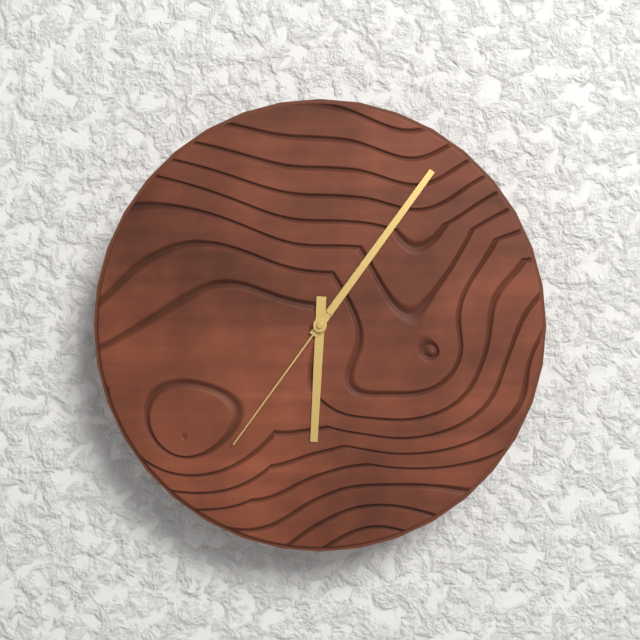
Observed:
{"hour": 6, "minute": 6, "second": 36}
